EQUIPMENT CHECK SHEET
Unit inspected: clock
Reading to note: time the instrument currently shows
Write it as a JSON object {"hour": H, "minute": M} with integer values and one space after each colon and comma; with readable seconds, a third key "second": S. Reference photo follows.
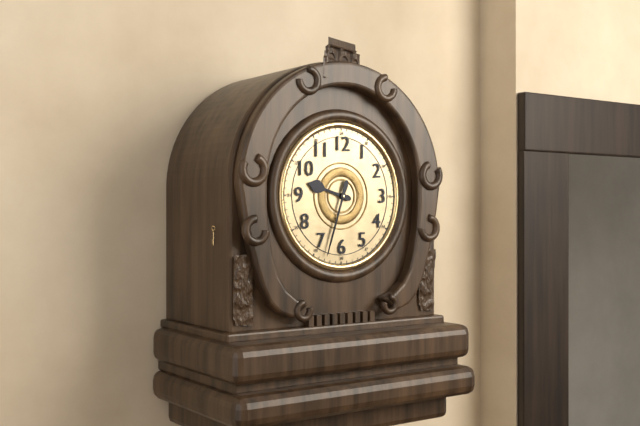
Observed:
{"hour": 9, "minute": 33}
